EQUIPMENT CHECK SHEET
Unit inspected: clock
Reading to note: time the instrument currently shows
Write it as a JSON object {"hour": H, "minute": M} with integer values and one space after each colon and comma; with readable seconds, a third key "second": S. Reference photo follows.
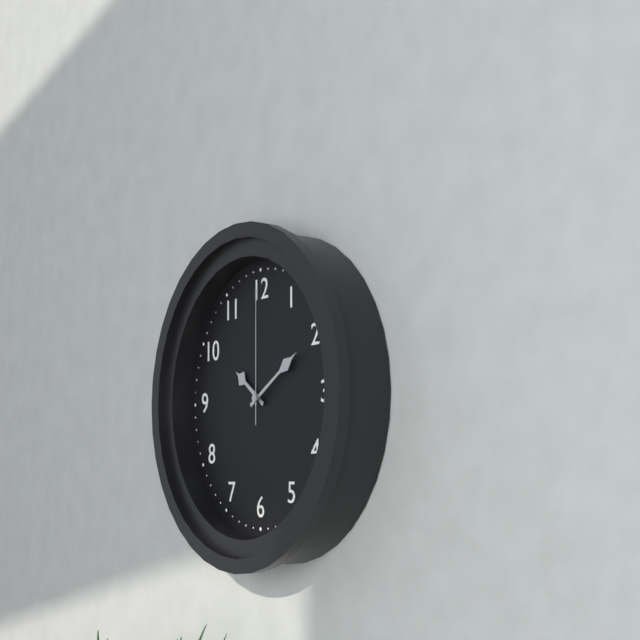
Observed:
{"hour": 10, "minute": 10, "second": 0}
